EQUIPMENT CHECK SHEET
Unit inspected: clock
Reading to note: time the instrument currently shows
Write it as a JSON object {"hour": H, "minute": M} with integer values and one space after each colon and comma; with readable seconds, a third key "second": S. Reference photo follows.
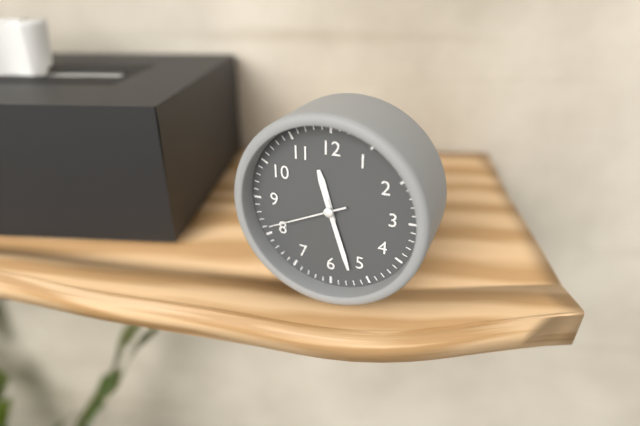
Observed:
{"hour": 11, "minute": 27, "second": 41}
